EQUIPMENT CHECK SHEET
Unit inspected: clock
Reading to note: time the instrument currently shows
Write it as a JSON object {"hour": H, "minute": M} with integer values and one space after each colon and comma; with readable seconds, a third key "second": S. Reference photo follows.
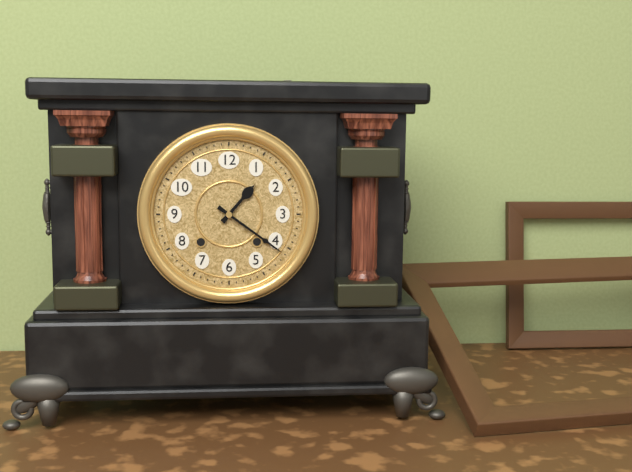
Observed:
{"hour": 1, "minute": 21}
